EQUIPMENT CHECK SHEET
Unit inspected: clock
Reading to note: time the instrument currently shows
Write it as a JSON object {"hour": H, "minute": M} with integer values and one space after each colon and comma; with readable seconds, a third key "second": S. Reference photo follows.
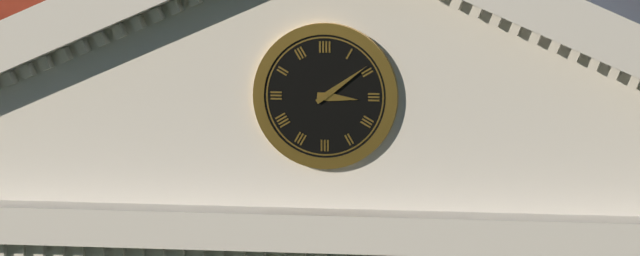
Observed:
{"hour": 3, "minute": 9}
